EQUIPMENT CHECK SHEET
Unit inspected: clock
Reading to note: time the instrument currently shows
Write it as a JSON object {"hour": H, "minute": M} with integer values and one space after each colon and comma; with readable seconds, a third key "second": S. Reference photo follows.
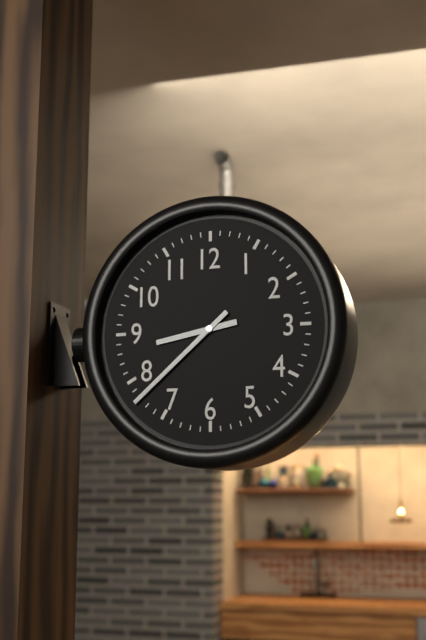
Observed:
{"hour": 8, "minute": 38}
